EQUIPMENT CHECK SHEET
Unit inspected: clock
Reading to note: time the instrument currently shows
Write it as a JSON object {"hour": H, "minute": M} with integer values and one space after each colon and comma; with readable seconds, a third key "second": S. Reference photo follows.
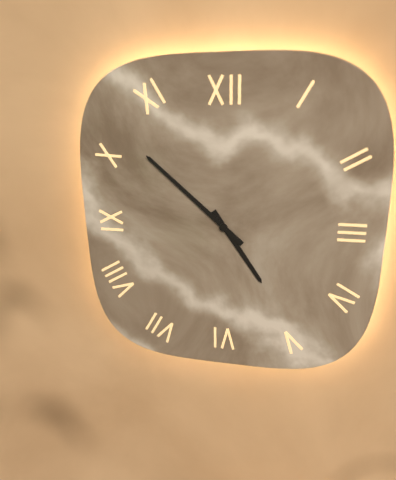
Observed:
{"hour": 4, "minute": 52}
